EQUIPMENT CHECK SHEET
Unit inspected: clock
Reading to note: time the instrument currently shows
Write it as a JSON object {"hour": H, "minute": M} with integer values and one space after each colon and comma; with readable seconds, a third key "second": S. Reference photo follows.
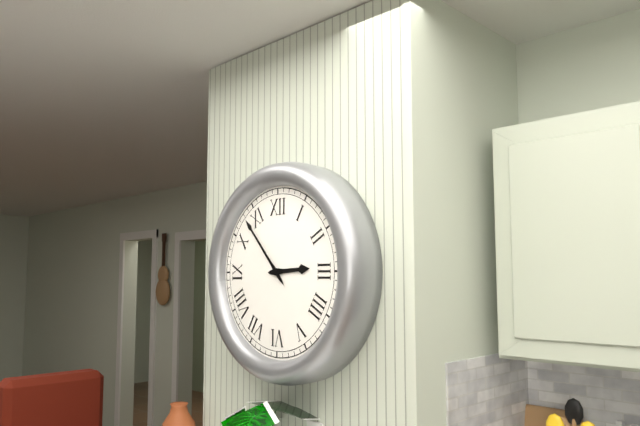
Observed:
{"hour": 2, "minute": 53}
